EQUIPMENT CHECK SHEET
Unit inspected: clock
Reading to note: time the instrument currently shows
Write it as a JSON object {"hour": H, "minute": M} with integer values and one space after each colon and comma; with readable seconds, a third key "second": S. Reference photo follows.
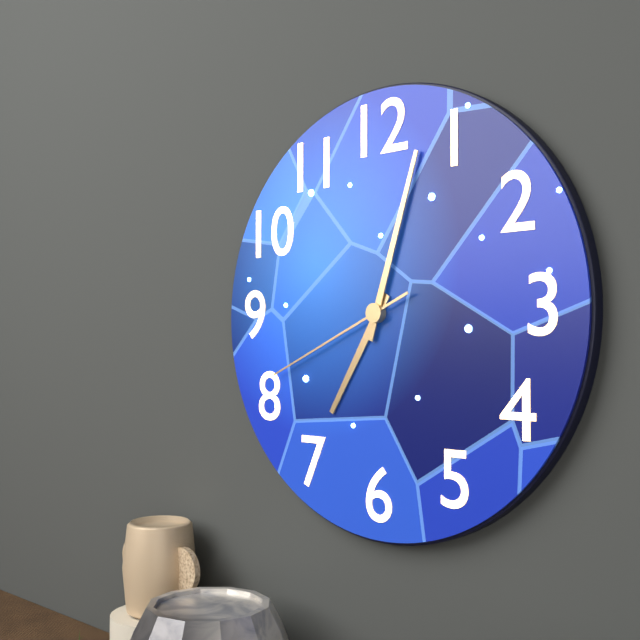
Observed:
{"hour": 7, "minute": 3, "second": 41}
